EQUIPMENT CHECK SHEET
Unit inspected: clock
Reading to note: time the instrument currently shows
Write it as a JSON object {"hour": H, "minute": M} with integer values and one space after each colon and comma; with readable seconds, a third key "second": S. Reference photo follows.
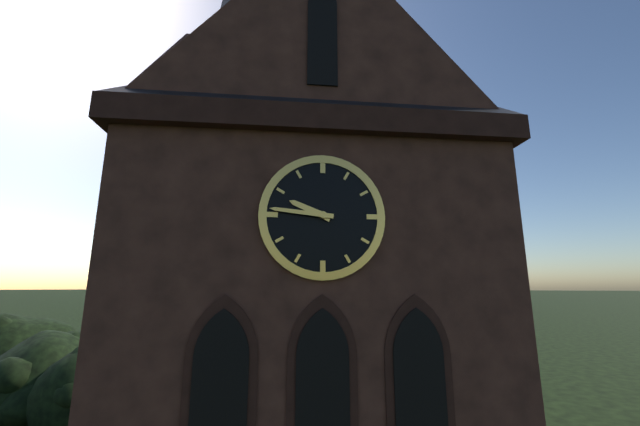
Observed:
{"hour": 9, "minute": 46}
